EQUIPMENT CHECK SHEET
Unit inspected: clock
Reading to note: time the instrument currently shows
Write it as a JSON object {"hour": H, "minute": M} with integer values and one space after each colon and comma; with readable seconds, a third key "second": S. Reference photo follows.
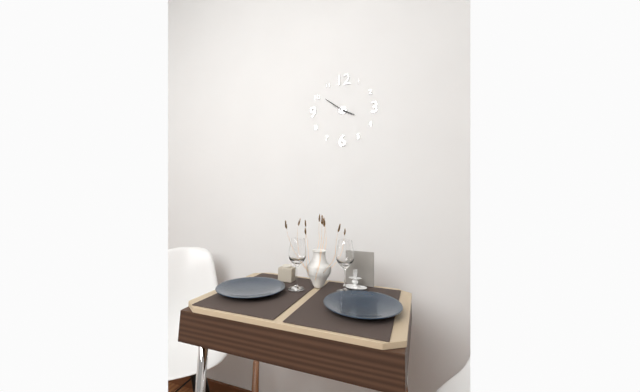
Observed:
{"hour": 3, "minute": 51}
